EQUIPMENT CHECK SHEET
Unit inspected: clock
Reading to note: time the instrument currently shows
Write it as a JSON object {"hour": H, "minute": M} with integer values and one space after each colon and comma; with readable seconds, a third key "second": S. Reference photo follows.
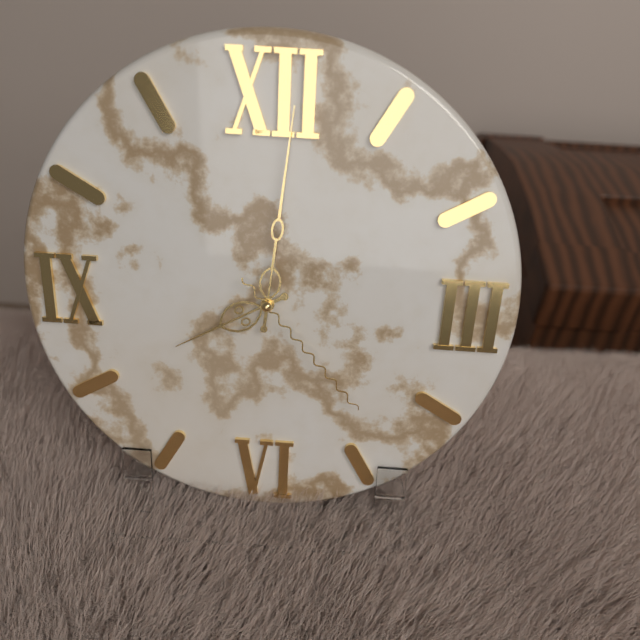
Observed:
{"hour": 8, "minute": 1, "second": 23}
